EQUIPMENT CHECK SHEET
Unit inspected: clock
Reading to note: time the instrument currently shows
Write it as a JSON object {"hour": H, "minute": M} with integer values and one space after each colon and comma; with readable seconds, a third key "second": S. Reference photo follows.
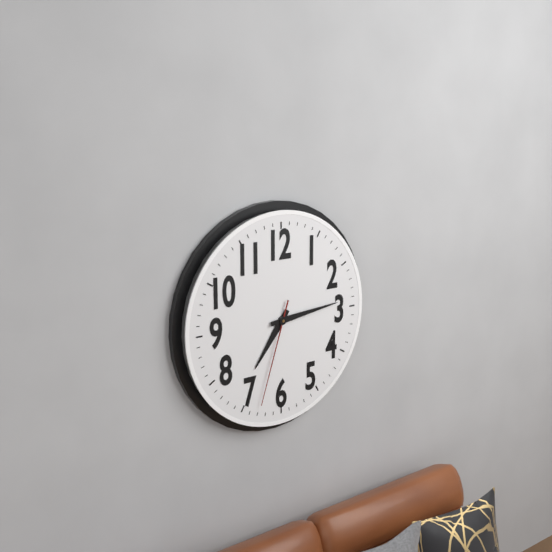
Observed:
{"hour": 7, "minute": 14, "second": 33}
